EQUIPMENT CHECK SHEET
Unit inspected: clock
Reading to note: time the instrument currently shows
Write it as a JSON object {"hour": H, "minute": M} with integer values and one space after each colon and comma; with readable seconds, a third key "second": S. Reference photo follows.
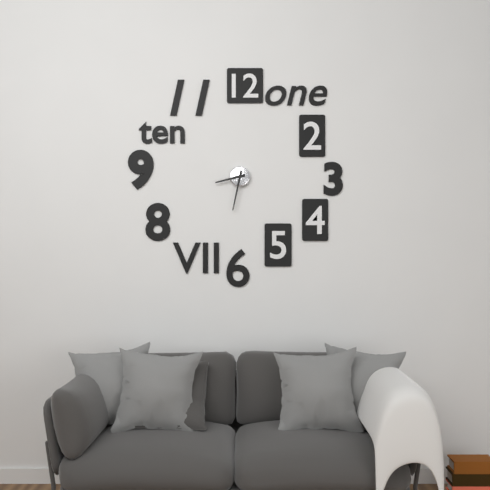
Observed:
{"hour": 8, "minute": 32}
